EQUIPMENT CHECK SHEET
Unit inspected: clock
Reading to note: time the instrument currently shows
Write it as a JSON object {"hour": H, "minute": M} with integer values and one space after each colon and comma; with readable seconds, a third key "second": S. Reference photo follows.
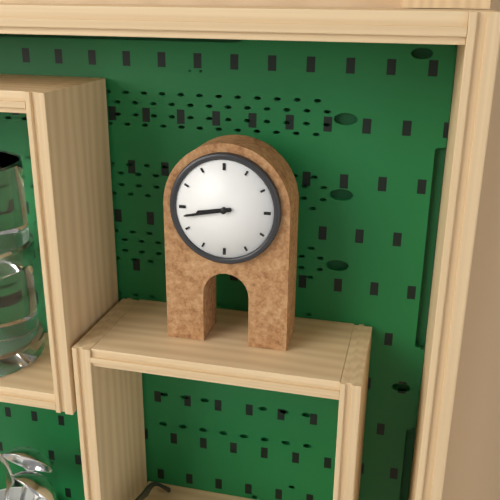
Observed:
{"hour": 8, "minute": 43}
